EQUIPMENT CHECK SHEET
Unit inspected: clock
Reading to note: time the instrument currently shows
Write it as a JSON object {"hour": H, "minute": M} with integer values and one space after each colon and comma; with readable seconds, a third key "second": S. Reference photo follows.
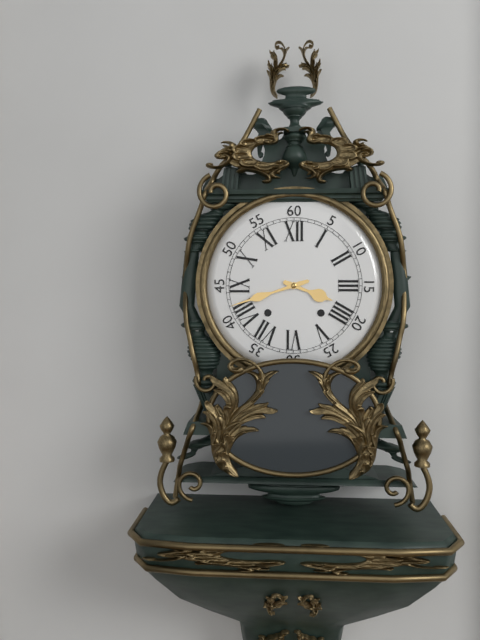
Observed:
{"hour": 3, "minute": 42}
